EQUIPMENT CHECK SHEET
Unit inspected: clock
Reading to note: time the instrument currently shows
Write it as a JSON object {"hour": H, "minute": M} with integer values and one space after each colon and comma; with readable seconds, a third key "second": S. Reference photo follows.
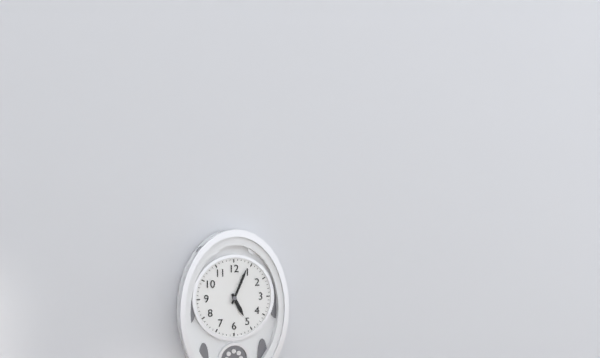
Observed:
{"hour": 5, "minute": 4}
